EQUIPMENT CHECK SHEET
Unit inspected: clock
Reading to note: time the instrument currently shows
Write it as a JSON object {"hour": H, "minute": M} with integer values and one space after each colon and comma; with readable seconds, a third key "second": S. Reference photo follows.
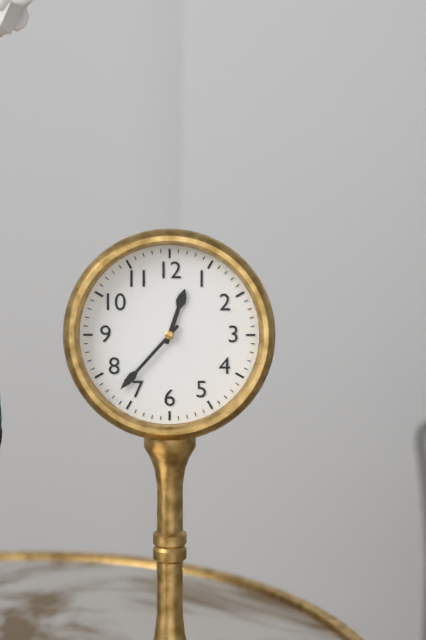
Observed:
{"hour": 12, "minute": 37}
